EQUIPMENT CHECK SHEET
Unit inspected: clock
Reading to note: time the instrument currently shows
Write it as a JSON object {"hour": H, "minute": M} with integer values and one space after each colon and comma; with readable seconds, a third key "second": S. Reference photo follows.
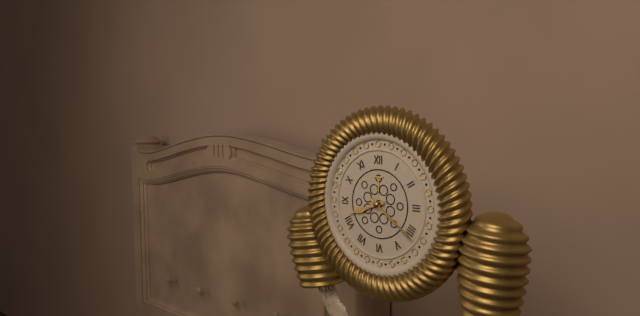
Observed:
{"hour": 8, "minute": 21}
